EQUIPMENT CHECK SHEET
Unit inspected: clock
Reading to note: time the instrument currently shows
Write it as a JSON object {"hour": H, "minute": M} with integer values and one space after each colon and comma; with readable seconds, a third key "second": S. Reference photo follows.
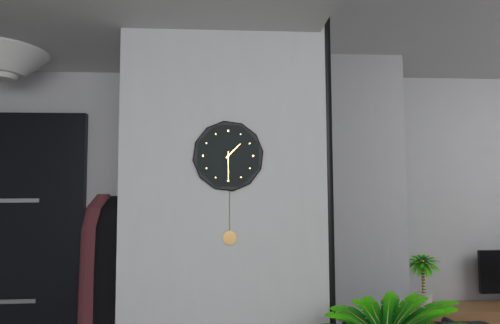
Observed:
{"hour": 1, "minute": 30}
